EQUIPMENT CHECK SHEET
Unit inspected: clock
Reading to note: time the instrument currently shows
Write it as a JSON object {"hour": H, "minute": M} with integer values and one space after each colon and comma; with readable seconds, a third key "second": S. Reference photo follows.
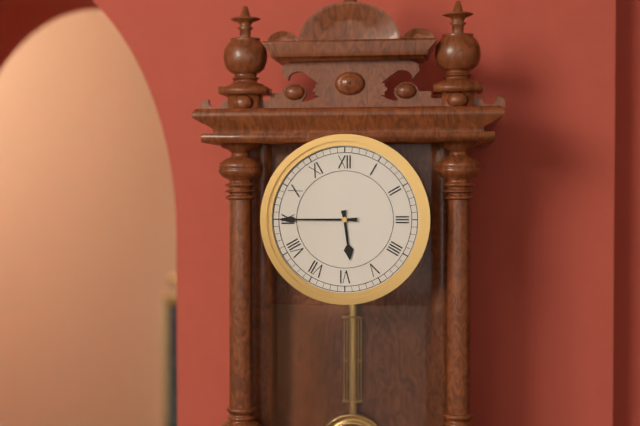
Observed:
{"hour": 5, "minute": 45}
